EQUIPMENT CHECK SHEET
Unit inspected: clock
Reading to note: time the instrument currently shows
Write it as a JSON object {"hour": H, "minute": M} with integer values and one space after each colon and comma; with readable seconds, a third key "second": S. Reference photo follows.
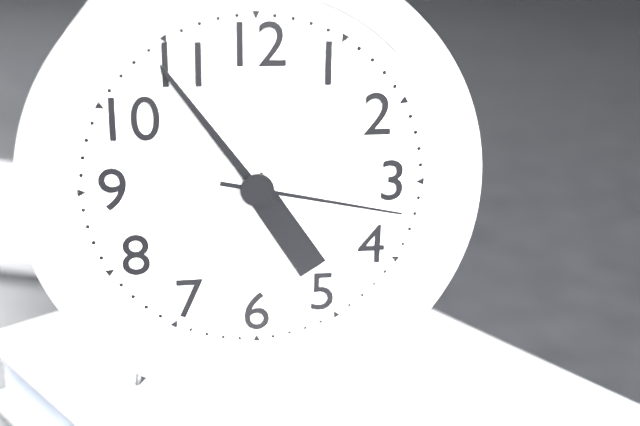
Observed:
{"hour": 4, "minute": 54, "second": 17}
